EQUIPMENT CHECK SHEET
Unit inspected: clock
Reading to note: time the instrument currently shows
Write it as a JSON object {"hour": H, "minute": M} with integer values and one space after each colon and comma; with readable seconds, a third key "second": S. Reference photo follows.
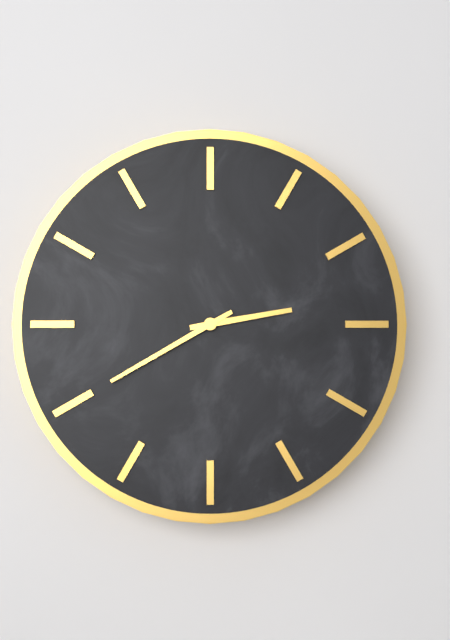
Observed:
{"hour": 2, "minute": 40}
